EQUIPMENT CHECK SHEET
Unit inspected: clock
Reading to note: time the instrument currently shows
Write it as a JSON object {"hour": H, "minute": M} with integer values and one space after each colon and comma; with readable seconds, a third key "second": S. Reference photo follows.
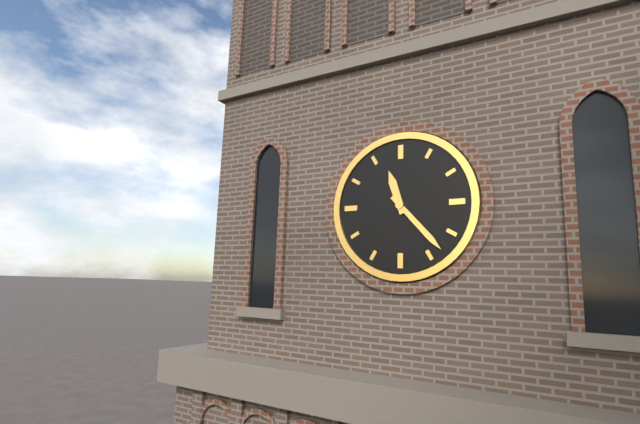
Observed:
{"hour": 11, "minute": 23}
